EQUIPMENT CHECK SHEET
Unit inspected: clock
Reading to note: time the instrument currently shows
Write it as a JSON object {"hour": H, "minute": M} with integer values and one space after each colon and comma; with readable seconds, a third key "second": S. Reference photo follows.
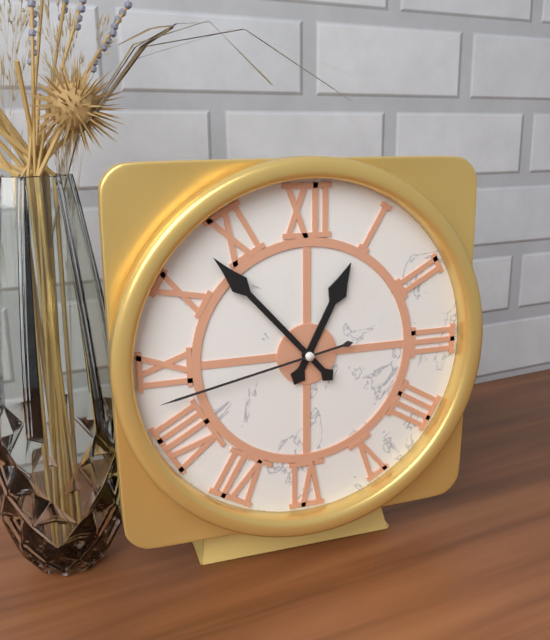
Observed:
{"hour": 12, "minute": 53, "second": 43}
